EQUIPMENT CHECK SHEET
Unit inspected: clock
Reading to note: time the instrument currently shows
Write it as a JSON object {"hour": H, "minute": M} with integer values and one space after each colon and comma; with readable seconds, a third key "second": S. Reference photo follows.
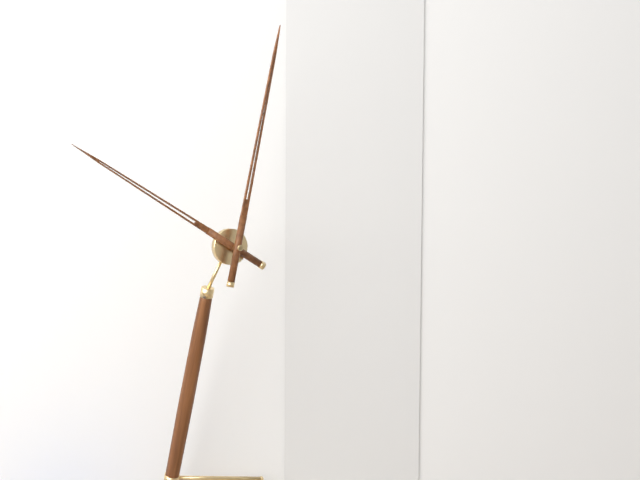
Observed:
{"hour": 10, "minute": 2}
